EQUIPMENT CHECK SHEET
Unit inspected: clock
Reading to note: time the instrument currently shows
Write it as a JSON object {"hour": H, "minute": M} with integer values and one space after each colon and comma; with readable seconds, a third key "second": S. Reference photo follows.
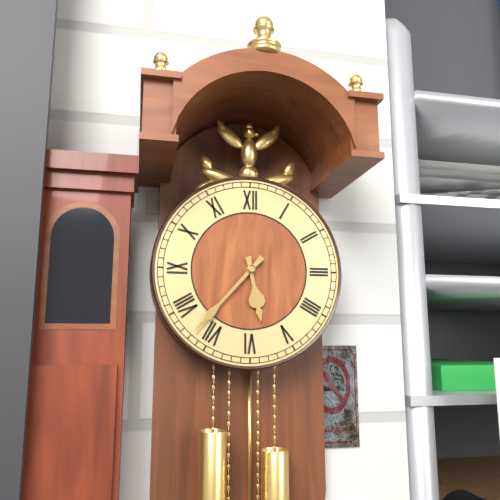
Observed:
{"hour": 5, "minute": 37}
